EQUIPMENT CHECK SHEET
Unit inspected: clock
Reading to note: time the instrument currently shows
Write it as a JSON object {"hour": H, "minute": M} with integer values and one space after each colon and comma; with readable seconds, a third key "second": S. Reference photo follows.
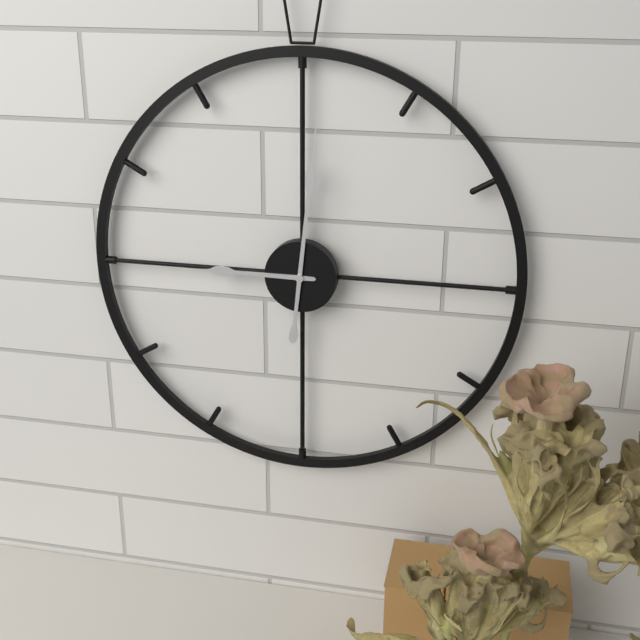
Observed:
{"hour": 9, "minute": 1}
